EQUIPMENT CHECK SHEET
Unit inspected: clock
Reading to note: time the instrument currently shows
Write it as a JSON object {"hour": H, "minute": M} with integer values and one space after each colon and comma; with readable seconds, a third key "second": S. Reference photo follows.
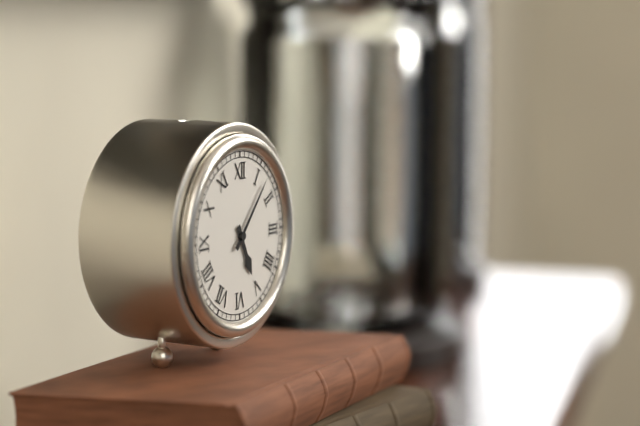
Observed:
{"hour": 5, "minute": 7}
